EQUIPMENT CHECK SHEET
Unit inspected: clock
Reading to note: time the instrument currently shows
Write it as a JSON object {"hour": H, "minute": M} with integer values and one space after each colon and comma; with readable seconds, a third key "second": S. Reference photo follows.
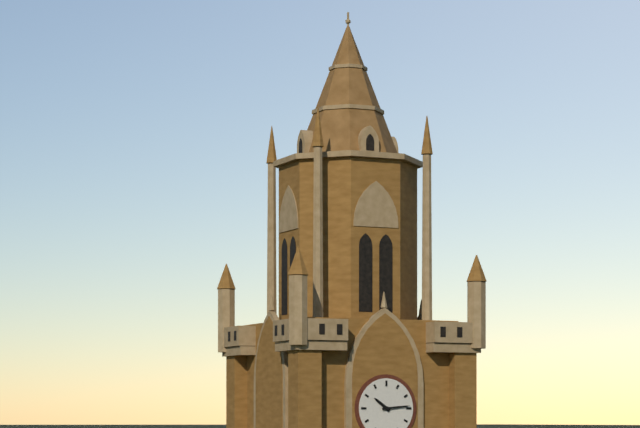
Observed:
{"hour": 10, "minute": 14}
